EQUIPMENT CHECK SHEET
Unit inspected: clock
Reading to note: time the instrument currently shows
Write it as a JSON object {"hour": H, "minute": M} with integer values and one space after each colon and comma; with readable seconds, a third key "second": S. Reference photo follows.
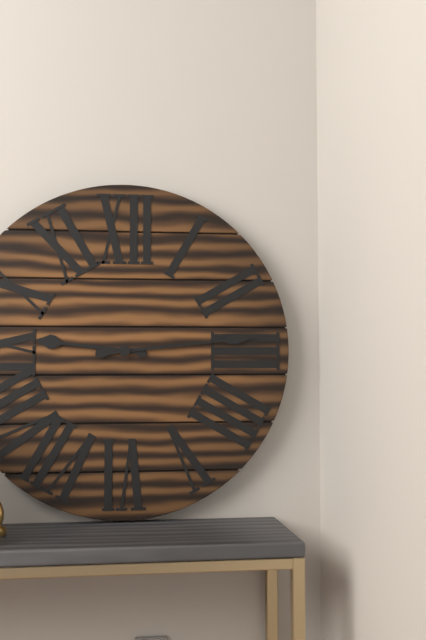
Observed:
{"hour": 9, "minute": 14}
